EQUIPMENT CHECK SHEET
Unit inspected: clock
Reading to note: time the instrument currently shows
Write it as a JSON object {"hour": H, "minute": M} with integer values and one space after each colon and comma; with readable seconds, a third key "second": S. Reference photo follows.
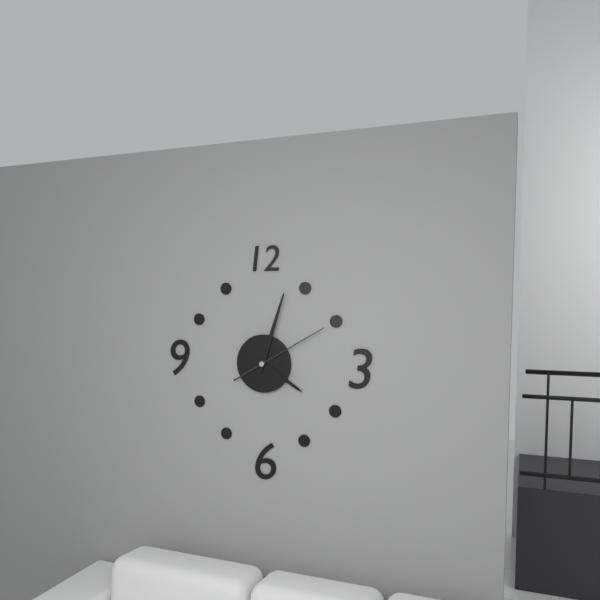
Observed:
{"hour": 4, "minute": 3, "second": 10}
